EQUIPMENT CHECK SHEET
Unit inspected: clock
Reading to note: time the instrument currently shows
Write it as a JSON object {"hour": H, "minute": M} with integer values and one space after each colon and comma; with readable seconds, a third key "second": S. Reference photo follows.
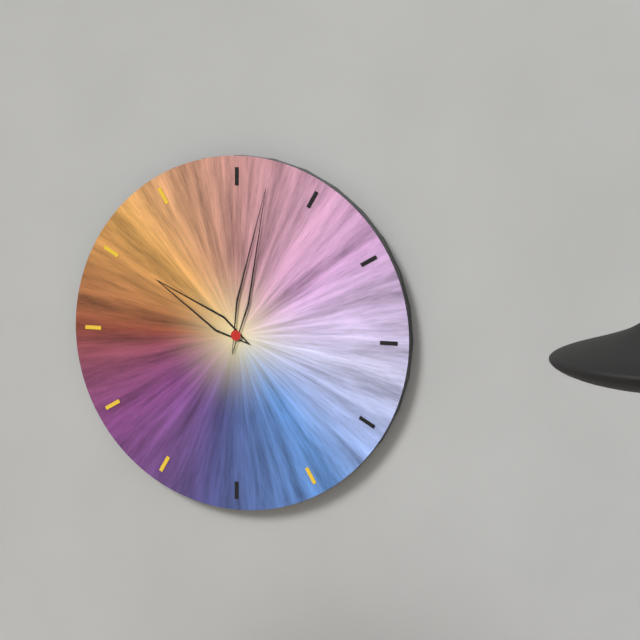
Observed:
{"hour": 10, "minute": 2}
